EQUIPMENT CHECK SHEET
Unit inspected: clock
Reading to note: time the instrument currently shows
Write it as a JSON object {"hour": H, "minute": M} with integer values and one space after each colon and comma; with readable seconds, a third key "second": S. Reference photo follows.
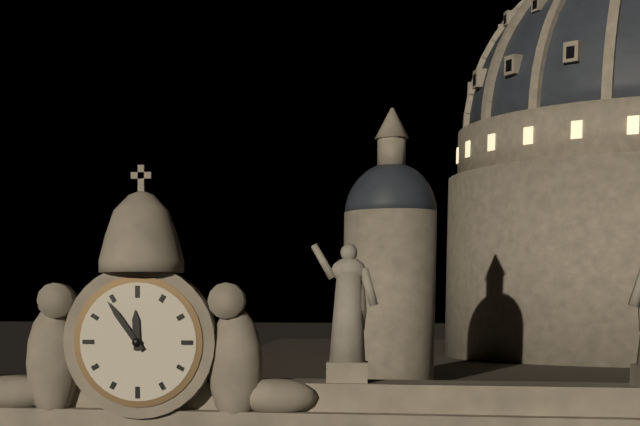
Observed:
{"hour": 11, "minute": 54}
